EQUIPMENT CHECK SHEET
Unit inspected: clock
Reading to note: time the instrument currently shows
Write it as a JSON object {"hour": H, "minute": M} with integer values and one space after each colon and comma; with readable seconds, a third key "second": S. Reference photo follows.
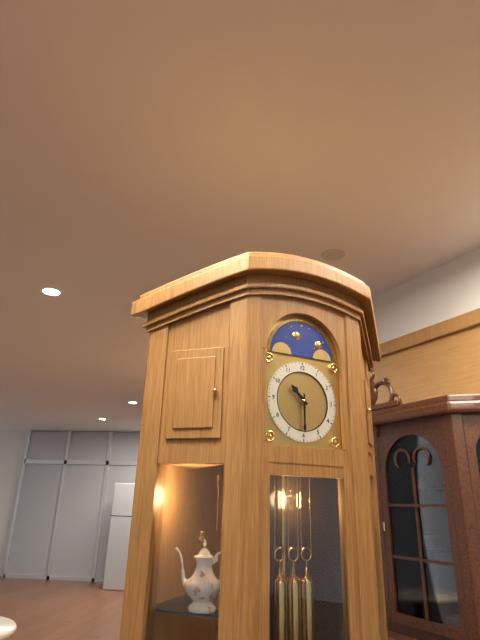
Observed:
{"hour": 10, "minute": 30}
